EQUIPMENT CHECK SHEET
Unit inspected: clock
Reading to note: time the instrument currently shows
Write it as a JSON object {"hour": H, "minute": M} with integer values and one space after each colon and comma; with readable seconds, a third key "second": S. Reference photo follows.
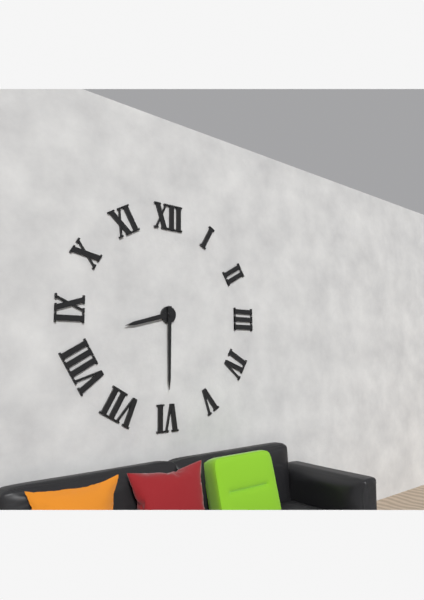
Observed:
{"hour": 8, "minute": 30}
